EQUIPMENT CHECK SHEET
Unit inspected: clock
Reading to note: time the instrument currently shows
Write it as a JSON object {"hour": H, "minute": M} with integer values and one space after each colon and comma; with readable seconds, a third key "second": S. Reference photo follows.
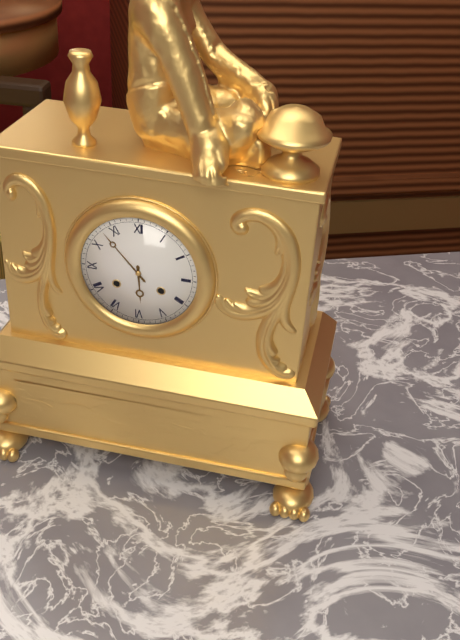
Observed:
{"hour": 5, "minute": 53}
